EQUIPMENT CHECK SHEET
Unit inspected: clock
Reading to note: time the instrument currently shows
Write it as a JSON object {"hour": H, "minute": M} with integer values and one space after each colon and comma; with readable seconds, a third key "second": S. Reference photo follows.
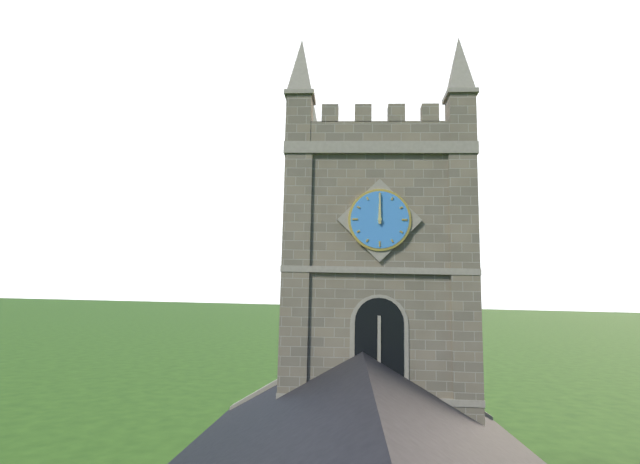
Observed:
{"hour": 12, "minute": 0}
